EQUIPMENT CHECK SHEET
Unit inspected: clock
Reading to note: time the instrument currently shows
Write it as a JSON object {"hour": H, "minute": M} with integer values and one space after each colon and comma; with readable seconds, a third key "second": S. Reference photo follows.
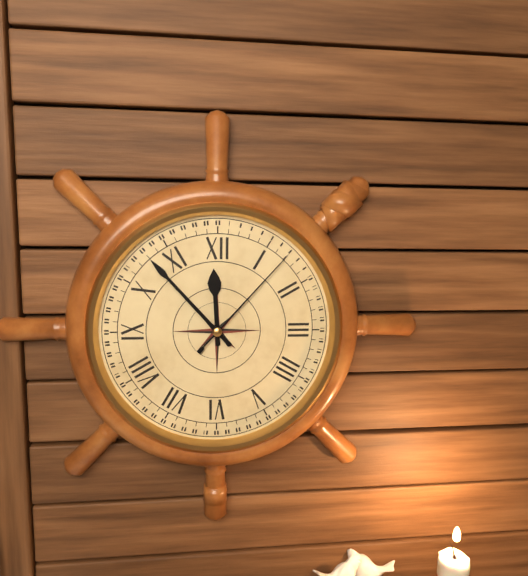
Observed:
{"hour": 11, "minute": 53, "second": 7}
